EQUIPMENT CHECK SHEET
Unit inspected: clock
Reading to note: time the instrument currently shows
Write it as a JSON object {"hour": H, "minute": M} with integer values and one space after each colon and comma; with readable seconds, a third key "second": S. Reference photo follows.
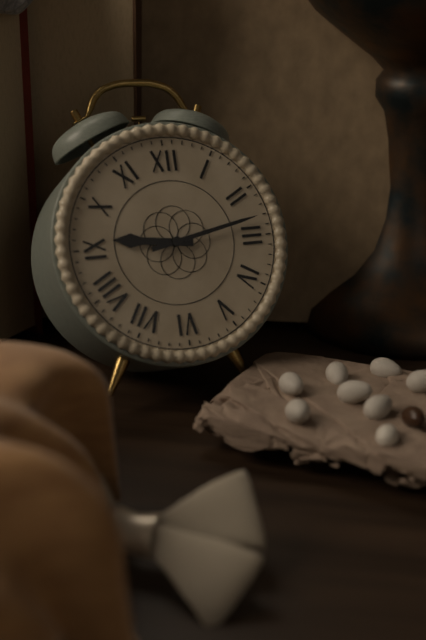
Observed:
{"hour": 9, "minute": 13}
